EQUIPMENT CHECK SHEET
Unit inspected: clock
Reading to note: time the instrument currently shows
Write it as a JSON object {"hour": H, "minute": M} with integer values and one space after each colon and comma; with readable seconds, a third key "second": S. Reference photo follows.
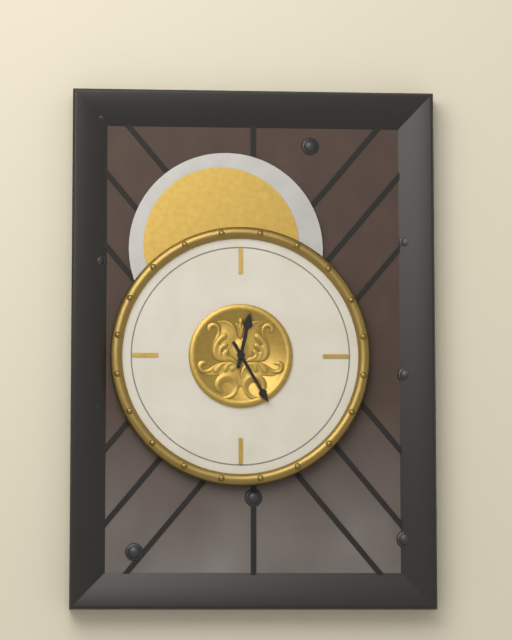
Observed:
{"hour": 12, "minute": 25}
